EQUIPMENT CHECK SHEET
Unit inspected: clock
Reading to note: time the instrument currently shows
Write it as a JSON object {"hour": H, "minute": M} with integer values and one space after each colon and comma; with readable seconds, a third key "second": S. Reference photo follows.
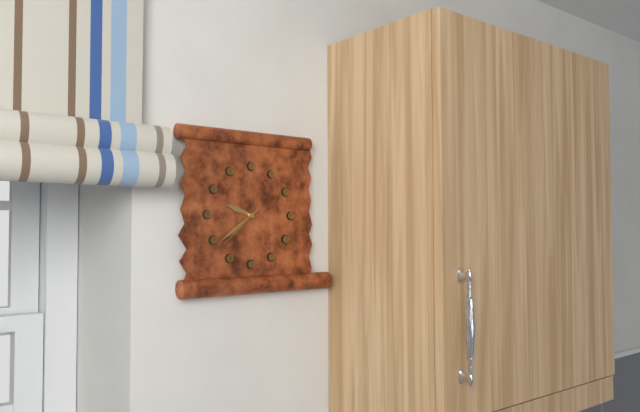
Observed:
{"hour": 9, "minute": 39, "second": 38}
